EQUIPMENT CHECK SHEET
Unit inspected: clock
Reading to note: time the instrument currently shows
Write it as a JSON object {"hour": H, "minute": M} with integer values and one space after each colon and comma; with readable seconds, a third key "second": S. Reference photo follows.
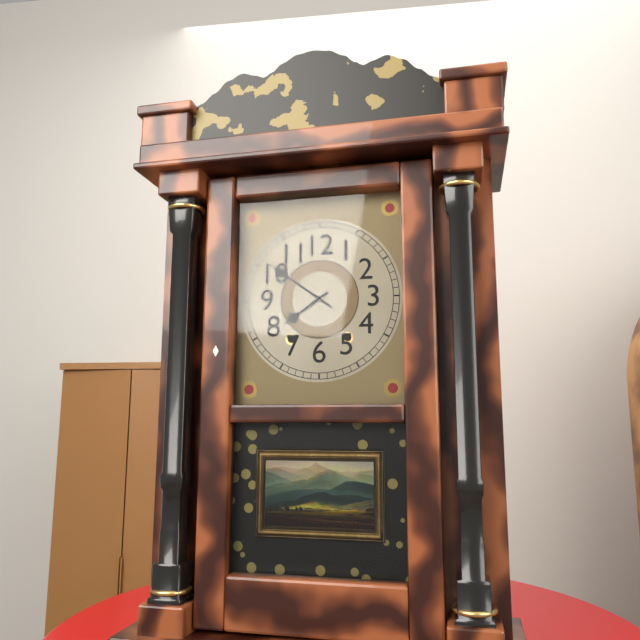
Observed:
{"hour": 7, "minute": 51}
